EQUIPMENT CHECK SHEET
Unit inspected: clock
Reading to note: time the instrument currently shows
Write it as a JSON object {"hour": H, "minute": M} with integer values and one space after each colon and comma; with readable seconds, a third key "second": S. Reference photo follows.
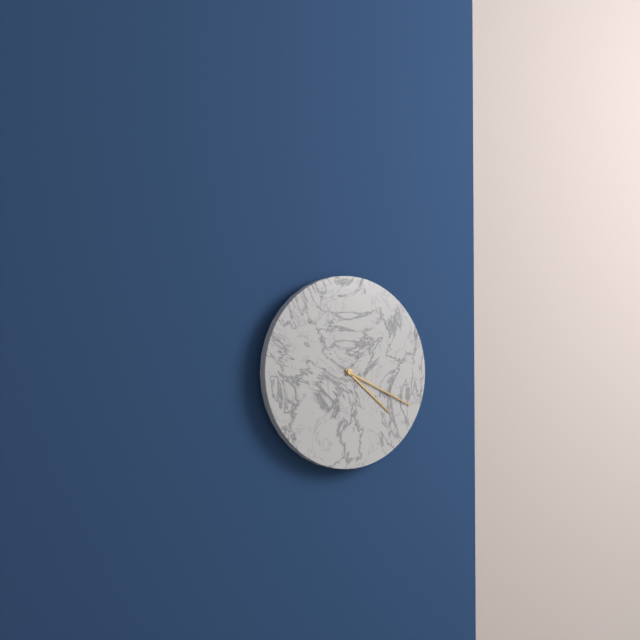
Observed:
{"hour": 4, "minute": 19}
